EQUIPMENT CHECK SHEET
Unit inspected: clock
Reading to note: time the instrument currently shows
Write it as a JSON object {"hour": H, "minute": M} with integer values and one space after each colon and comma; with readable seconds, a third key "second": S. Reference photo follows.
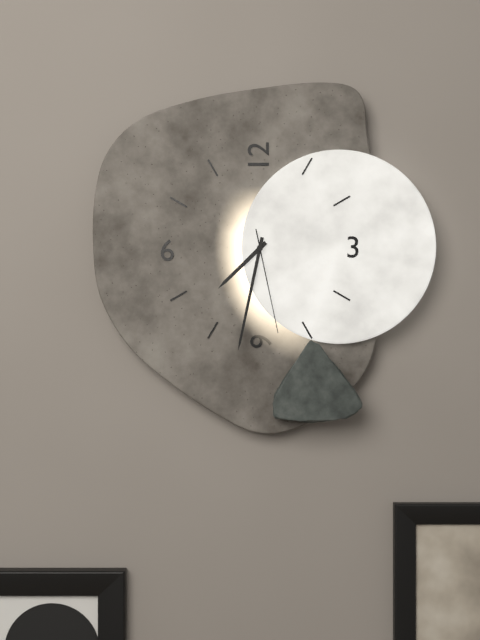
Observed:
{"hour": 7, "minute": 32, "second": 28}
